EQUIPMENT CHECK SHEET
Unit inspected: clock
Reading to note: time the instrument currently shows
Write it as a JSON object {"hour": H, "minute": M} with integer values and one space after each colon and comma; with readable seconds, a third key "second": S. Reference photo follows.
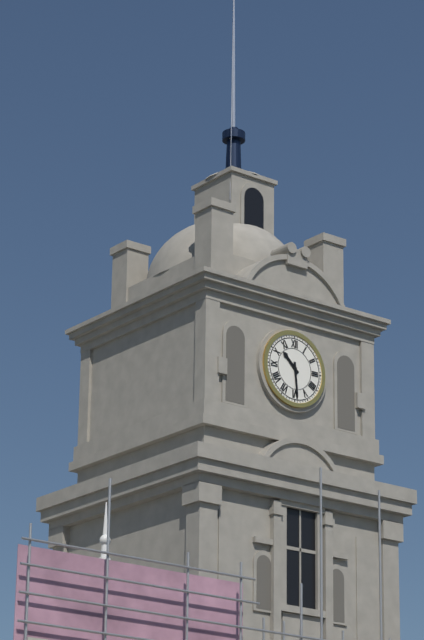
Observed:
{"hour": 10, "minute": 29}
